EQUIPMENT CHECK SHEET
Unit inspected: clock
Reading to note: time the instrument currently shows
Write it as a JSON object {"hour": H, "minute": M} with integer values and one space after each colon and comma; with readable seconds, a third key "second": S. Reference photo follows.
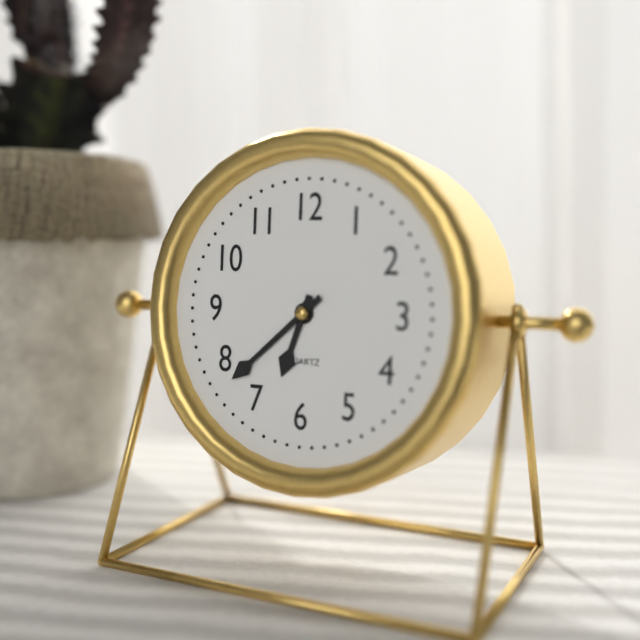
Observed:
{"hour": 6, "minute": 38}
